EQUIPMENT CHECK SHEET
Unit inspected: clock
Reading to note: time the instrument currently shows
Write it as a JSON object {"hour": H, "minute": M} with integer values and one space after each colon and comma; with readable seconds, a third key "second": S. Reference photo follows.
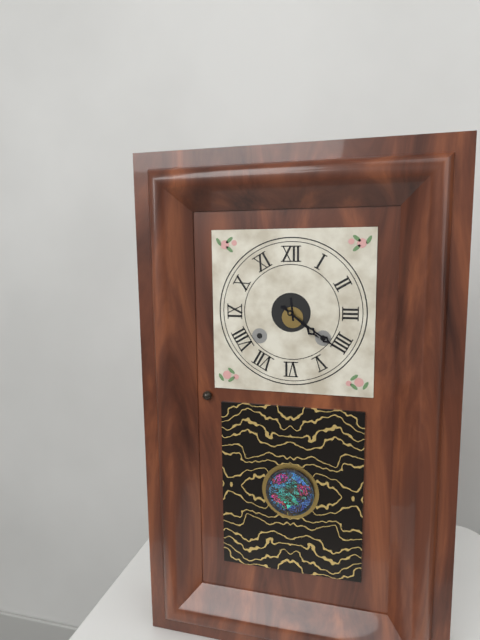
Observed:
{"hour": 4, "minute": 21}
